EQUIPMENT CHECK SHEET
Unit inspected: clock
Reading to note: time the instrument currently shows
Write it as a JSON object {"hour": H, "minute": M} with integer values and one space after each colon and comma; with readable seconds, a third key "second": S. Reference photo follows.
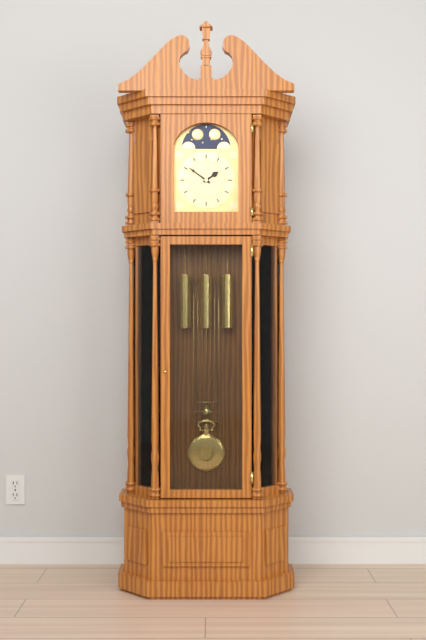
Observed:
{"hour": 1, "minute": 51}
